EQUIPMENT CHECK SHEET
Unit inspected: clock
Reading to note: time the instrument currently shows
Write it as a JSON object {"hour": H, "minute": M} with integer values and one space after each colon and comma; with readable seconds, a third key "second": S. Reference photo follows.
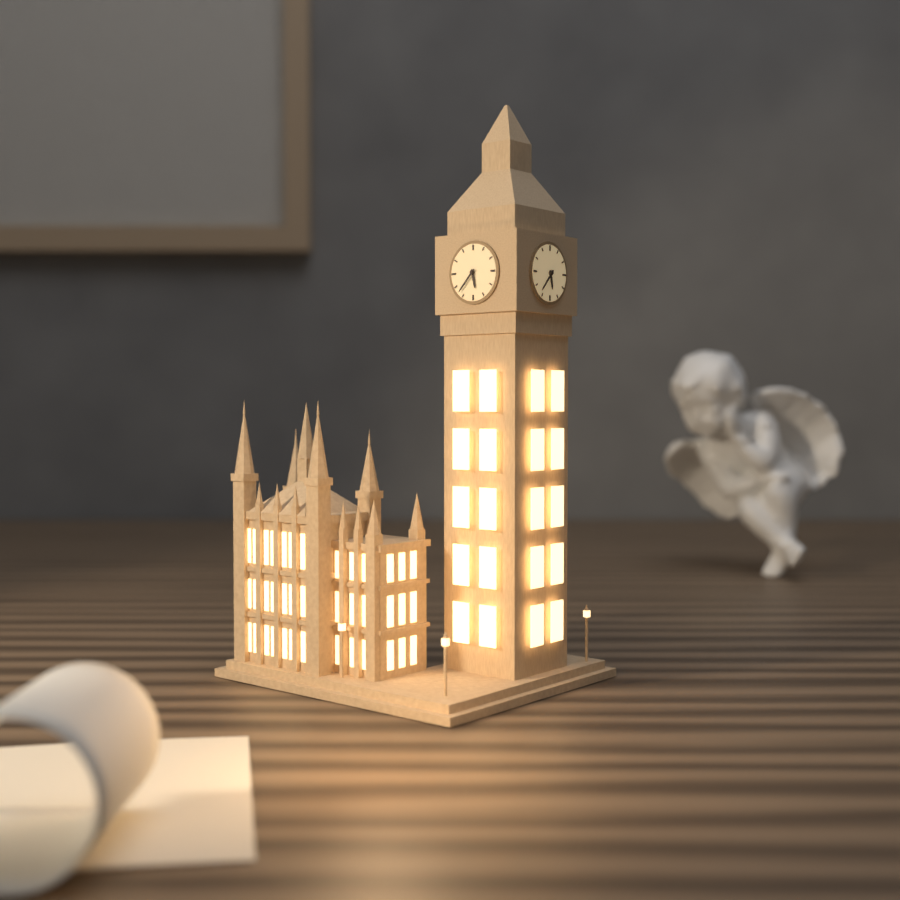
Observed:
{"hour": 5, "minute": 37}
